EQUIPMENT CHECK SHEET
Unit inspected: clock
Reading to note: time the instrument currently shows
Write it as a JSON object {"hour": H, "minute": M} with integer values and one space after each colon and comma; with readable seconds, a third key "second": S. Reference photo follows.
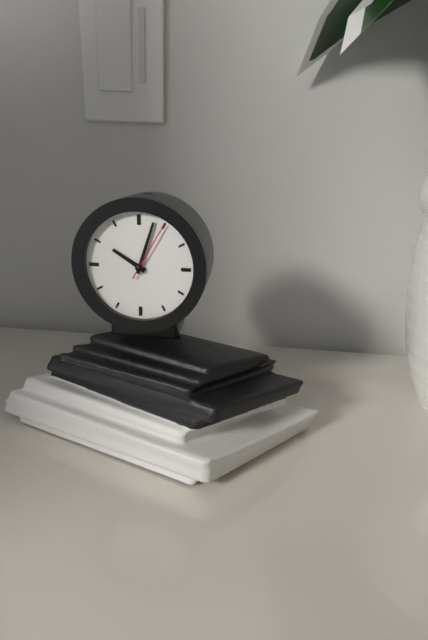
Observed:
{"hour": 10, "minute": 3, "second": 5}
